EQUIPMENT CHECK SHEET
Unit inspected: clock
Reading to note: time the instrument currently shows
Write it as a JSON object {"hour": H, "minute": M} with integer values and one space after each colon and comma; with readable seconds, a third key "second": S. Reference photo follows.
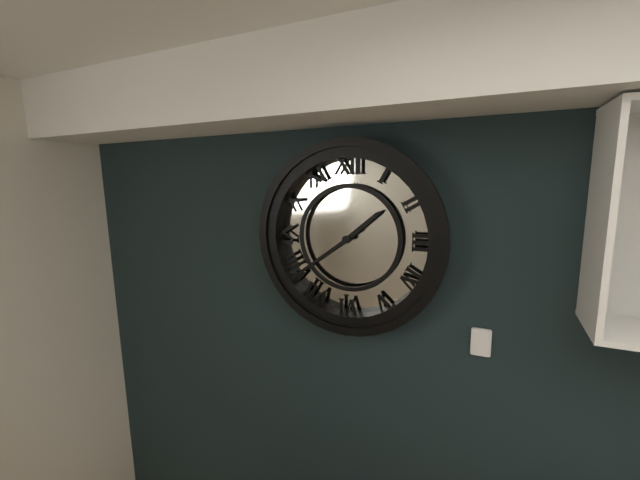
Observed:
{"hour": 1, "minute": 39}
